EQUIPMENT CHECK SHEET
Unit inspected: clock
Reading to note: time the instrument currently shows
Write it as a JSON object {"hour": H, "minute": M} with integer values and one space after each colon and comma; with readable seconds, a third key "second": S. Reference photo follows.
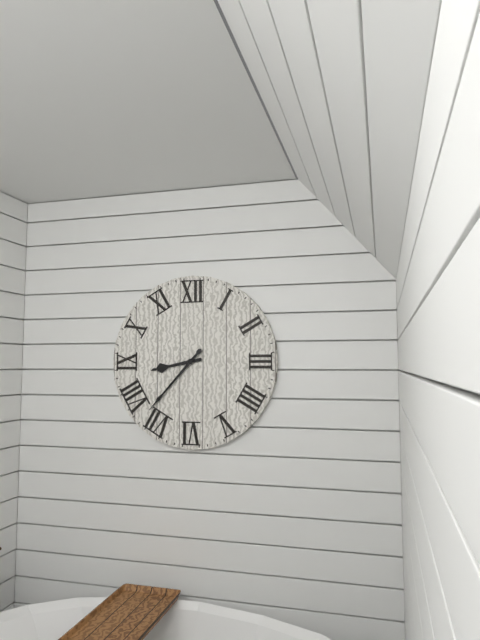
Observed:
{"hour": 8, "minute": 37}
